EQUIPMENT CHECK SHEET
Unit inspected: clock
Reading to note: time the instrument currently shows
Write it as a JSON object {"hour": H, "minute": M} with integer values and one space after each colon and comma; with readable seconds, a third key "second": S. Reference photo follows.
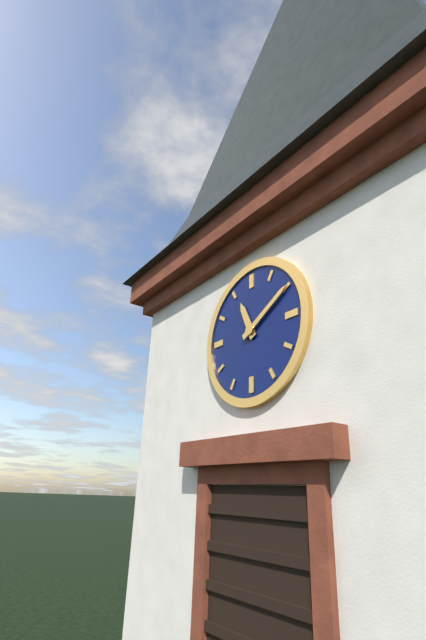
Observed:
{"hour": 11, "minute": 10}
